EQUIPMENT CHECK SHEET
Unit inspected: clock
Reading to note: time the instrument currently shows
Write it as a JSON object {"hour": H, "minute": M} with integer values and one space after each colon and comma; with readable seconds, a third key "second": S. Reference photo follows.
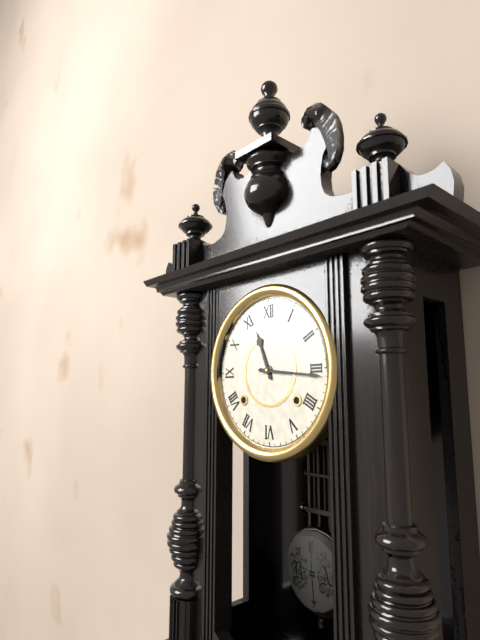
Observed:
{"hour": 11, "minute": 16}
